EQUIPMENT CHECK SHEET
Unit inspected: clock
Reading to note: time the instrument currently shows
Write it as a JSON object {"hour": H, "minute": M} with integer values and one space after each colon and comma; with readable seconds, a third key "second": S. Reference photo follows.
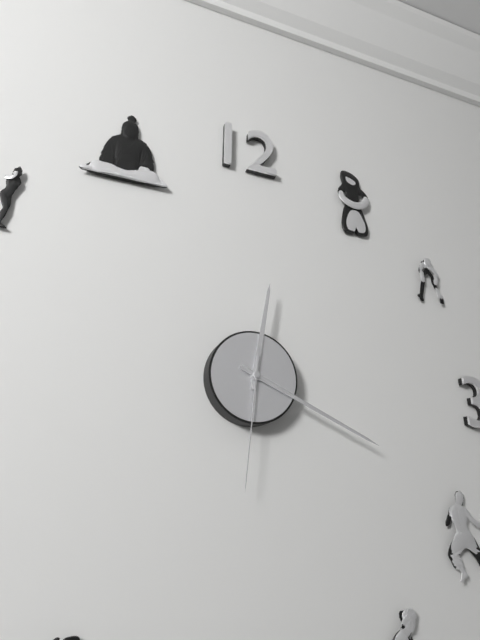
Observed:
{"hour": 12, "minute": 19, "second": 31}
